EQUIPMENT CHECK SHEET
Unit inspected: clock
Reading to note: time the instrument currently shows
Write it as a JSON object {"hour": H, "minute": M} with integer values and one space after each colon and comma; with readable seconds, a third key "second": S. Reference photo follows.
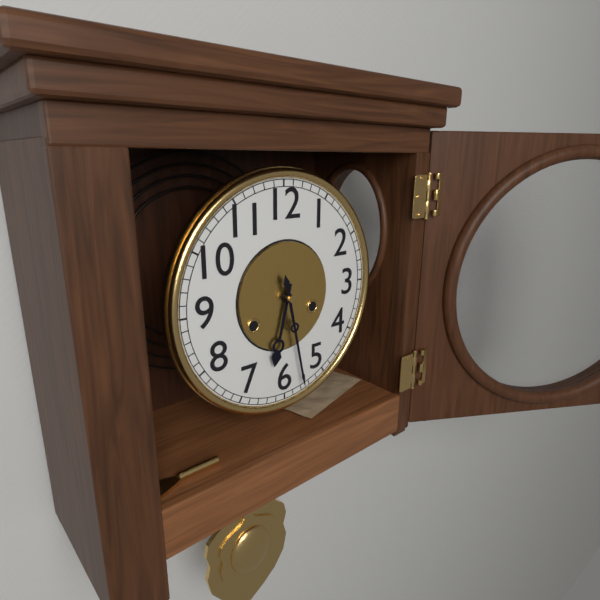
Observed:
{"hour": 6, "minute": 28}
